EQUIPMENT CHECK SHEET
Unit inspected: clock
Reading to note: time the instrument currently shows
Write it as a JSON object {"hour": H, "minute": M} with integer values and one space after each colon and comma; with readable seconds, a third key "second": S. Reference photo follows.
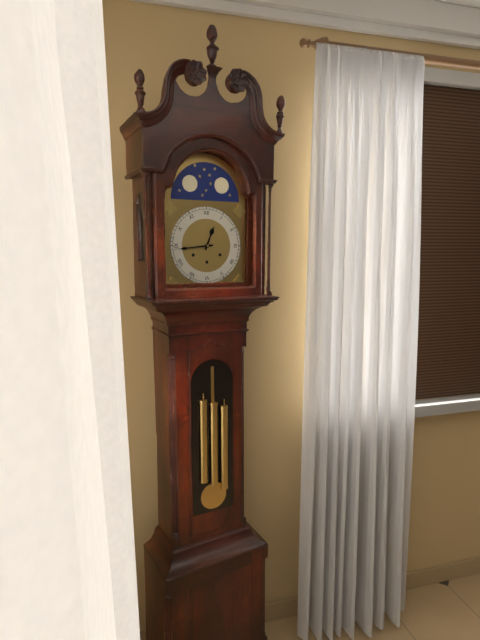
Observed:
{"hour": 12, "minute": 44}
